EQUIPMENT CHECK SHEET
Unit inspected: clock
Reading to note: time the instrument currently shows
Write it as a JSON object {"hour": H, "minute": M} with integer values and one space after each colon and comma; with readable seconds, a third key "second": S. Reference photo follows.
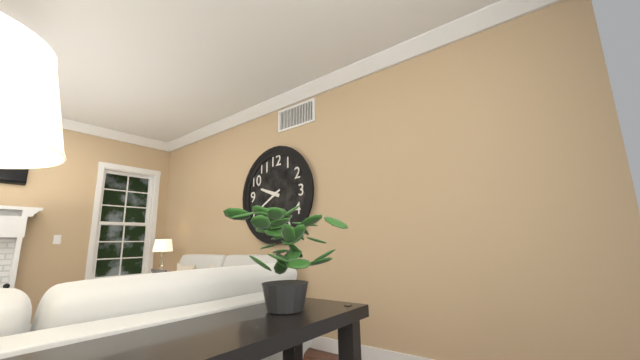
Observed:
{"hour": 9, "minute": 40}
